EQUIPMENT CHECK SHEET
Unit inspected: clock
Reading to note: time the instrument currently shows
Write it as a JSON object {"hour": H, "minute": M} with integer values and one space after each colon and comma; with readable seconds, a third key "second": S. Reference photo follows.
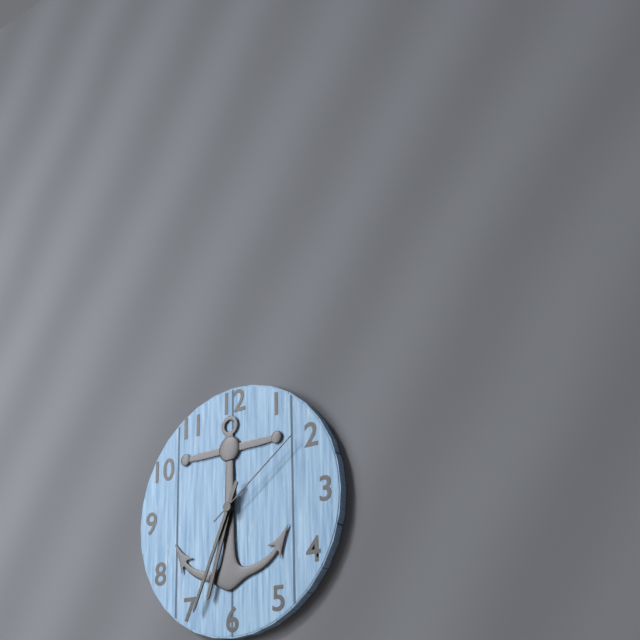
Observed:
{"hour": 6, "minute": 34, "second": 9}
